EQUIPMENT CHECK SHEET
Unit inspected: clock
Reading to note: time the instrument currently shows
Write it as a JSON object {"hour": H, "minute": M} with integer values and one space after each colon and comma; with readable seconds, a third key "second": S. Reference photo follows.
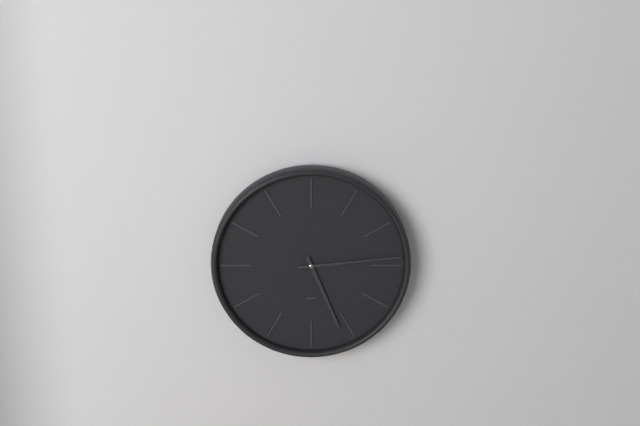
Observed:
{"hour": 5, "minute": 14}
